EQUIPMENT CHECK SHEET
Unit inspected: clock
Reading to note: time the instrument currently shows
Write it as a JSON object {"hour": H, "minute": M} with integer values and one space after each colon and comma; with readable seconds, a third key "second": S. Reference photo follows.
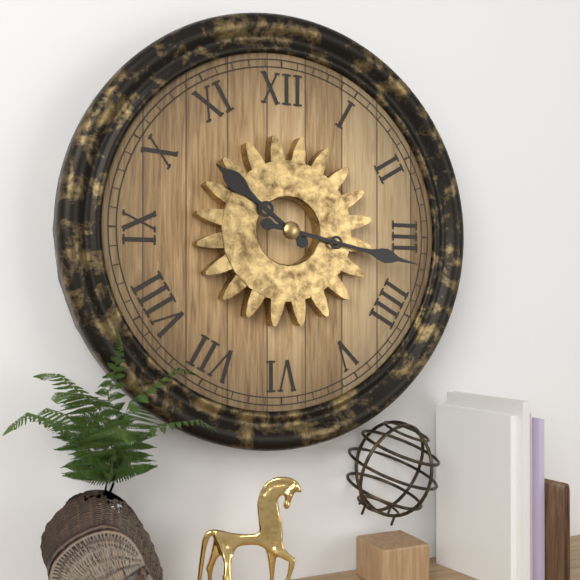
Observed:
{"hour": 10, "minute": 17}
